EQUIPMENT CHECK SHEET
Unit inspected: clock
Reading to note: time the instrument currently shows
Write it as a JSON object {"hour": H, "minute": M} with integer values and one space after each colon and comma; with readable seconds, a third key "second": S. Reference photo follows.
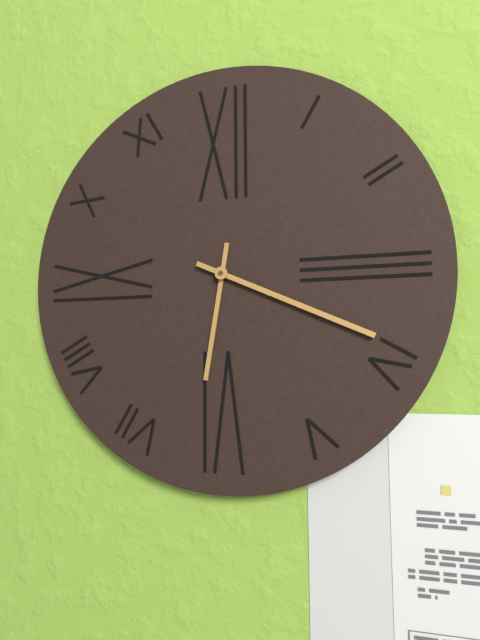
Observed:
{"hour": 6, "minute": 19}
